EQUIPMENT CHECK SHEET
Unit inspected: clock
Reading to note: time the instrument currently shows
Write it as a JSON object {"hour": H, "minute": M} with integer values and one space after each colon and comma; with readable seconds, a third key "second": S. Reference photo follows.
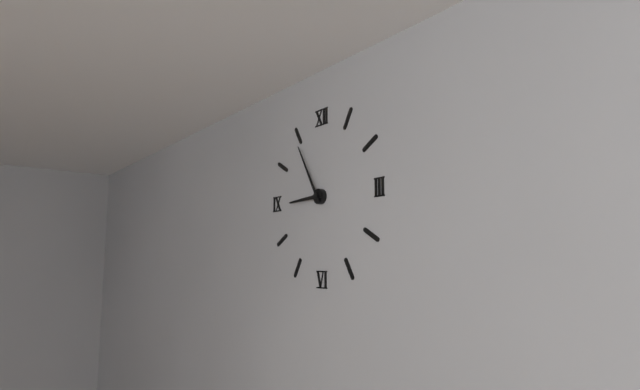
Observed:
{"hour": 8, "minute": 55}
